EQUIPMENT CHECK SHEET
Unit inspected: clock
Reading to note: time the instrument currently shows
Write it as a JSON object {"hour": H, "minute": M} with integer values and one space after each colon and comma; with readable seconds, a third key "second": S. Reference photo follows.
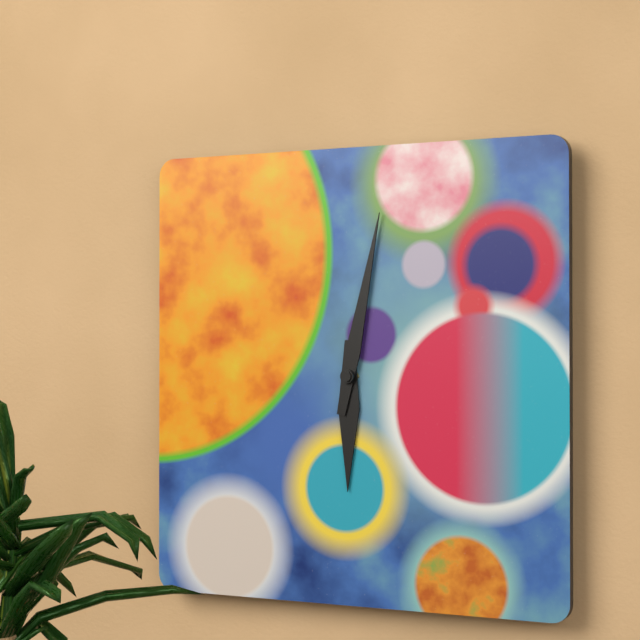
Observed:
{"hour": 6, "minute": 2}
